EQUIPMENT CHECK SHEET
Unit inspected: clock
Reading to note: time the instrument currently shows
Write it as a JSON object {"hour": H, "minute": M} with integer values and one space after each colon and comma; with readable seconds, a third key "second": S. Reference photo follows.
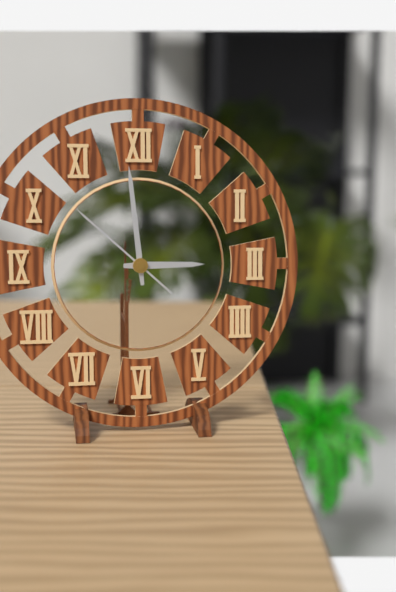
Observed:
{"hour": 2, "minute": 59, "second": 52}
